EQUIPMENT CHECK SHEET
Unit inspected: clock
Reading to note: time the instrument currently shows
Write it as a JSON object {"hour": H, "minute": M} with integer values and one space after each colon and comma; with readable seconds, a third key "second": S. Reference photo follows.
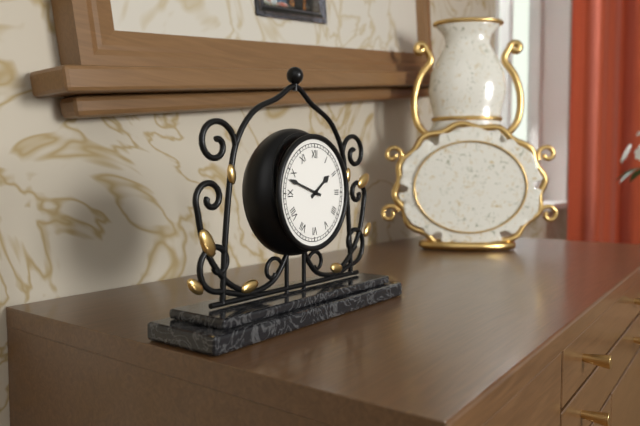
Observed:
{"hour": 1, "minute": 48}
